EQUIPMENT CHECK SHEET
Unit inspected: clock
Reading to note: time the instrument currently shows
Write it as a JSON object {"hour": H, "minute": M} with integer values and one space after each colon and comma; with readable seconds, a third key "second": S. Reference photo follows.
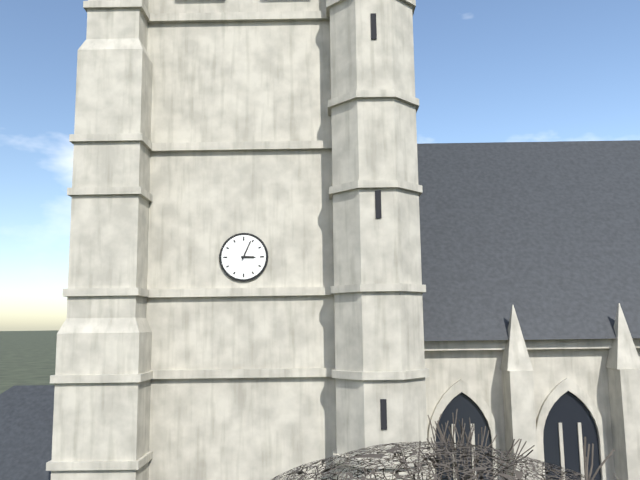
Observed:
{"hour": 3, "minute": 4}
